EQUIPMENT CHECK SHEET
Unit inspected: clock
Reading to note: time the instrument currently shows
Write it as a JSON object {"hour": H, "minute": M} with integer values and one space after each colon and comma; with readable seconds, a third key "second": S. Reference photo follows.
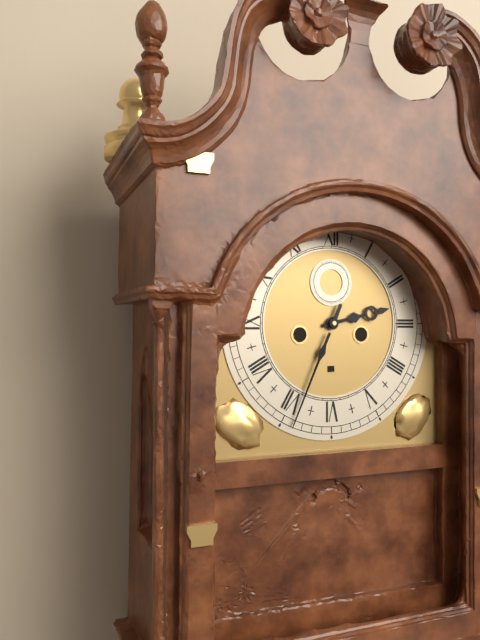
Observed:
{"hour": 2, "minute": 34}
